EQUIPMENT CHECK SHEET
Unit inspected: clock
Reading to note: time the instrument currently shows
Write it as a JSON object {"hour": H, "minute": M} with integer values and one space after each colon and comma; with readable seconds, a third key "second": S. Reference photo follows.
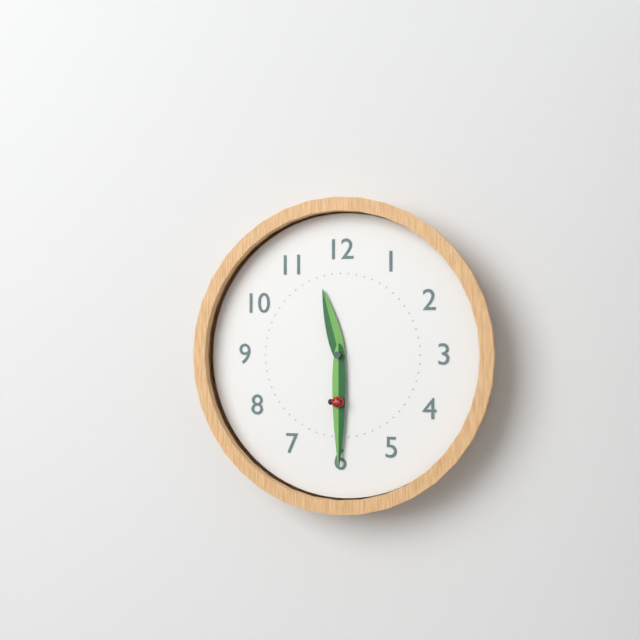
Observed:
{"hour": 11, "minute": 30, "second": 30}
